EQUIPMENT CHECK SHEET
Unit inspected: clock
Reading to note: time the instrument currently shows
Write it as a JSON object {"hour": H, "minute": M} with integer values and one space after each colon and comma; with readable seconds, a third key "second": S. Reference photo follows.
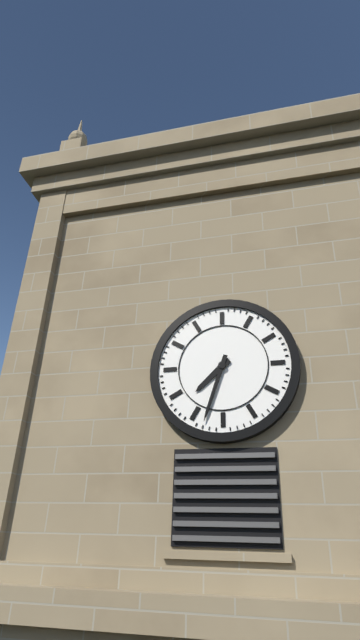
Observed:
{"hour": 7, "minute": 33}
